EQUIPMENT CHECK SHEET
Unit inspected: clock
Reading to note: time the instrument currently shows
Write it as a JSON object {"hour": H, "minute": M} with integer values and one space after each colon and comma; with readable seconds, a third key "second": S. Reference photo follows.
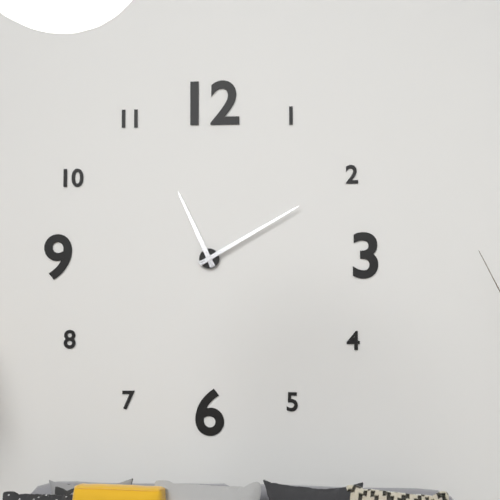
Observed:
{"hour": 11, "minute": 10}
